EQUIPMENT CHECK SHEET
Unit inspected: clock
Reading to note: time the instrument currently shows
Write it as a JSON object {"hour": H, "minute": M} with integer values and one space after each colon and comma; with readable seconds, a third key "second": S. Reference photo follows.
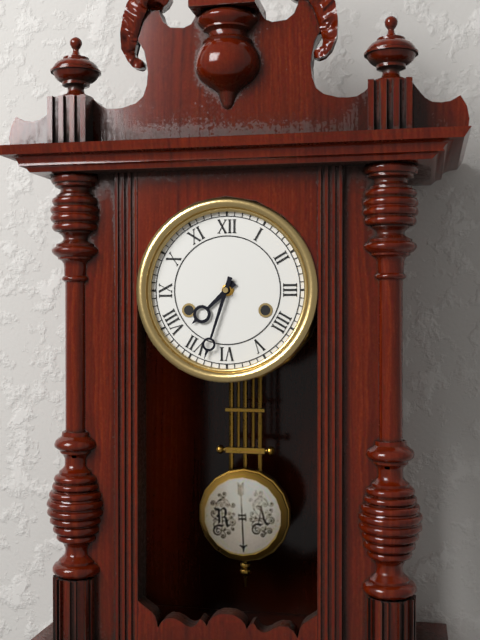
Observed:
{"hour": 7, "minute": 33}
